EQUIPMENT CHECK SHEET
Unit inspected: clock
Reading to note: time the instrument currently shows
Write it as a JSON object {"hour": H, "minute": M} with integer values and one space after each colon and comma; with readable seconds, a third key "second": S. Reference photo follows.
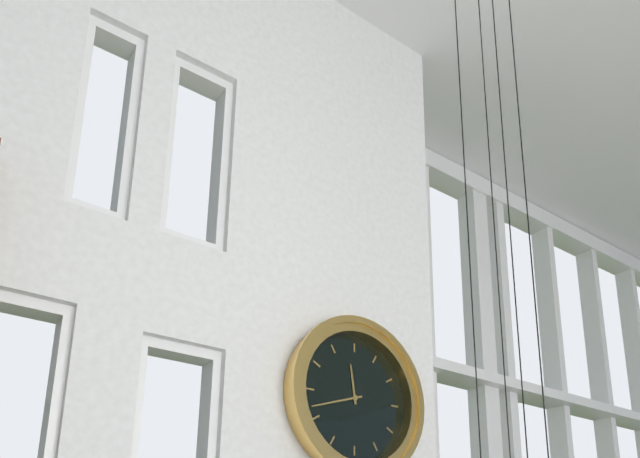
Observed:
{"hour": 11, "minute": 42}
